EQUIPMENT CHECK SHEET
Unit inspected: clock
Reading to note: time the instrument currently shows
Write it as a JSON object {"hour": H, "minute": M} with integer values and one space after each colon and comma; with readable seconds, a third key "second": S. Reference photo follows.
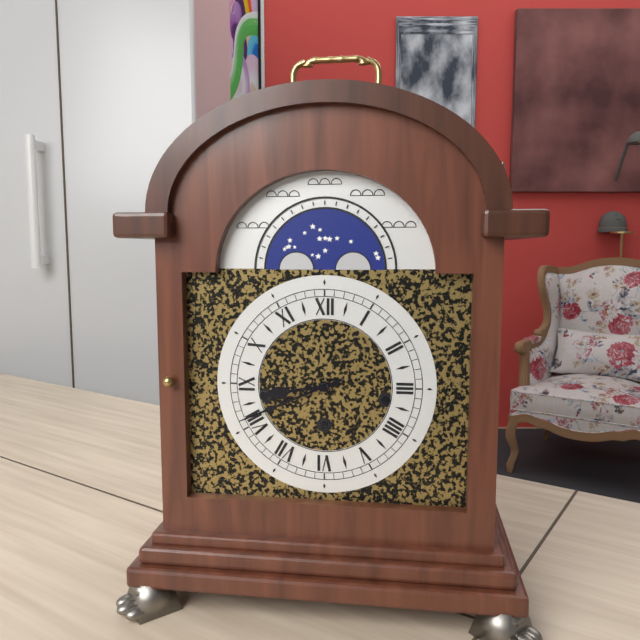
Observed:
{"hour": 8, "minute": 41}
